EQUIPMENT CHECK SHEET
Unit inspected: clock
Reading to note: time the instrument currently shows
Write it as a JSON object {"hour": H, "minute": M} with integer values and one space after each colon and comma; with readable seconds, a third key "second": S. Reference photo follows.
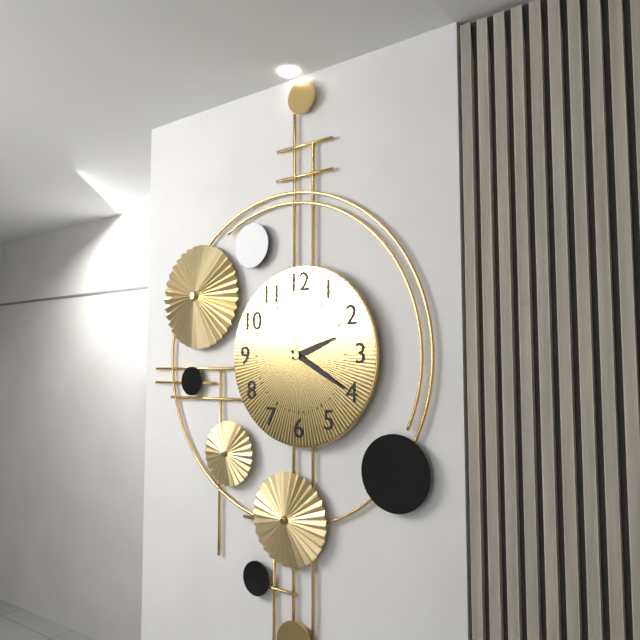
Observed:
{"hour": 2, "minute": 20, "second": 55}
